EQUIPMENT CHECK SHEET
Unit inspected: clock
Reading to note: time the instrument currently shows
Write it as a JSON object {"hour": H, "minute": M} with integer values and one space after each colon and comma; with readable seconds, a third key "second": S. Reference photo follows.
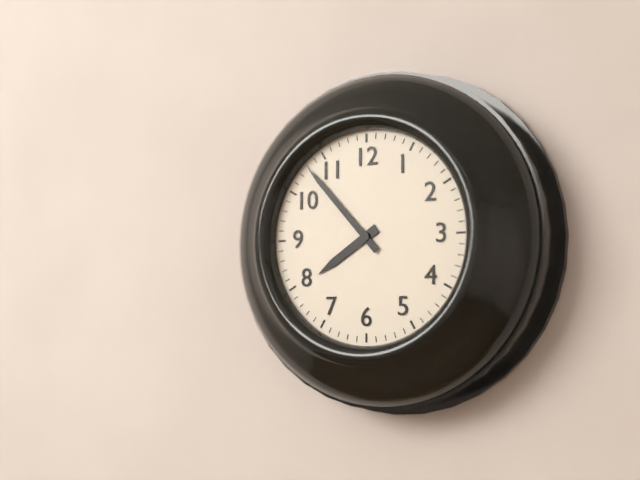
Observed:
{"hour": 7, "minute": 53}
